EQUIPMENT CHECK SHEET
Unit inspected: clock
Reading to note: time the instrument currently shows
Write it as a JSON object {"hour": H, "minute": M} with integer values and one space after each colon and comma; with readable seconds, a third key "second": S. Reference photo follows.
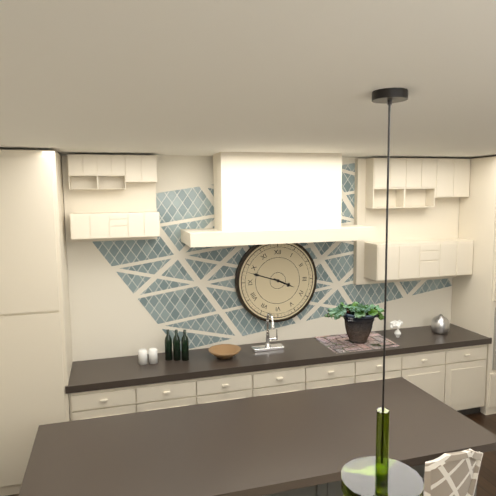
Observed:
{"hour": 3, "minute": 48}
